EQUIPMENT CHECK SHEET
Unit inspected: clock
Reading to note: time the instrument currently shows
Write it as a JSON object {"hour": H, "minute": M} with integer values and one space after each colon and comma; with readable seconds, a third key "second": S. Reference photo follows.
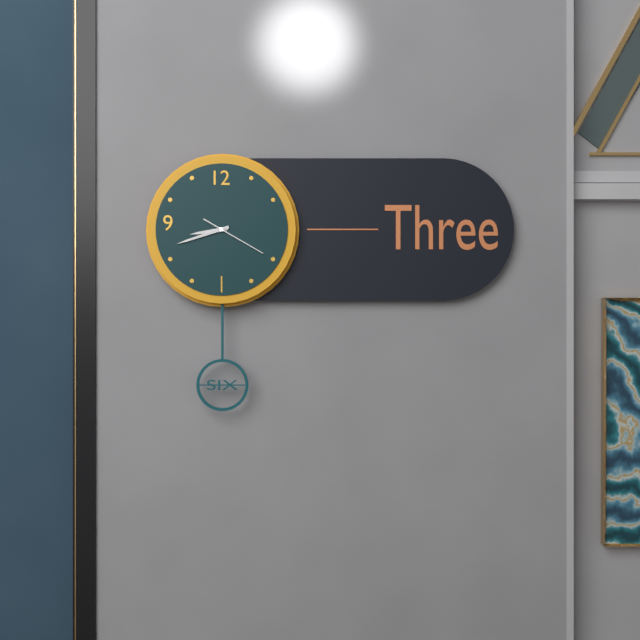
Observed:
{"hour": 8, "minute": 42, "second": 20}
